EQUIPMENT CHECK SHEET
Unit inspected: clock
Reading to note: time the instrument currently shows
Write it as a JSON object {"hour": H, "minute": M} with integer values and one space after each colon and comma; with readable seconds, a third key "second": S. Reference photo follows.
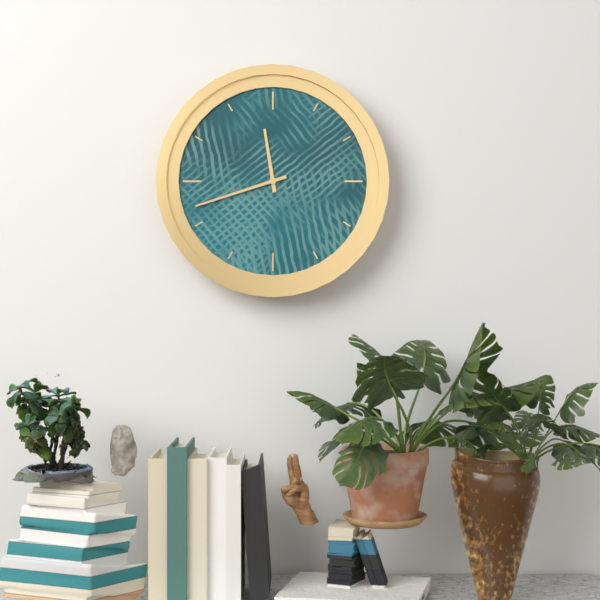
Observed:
{"hour": 11, "minute": 42}
